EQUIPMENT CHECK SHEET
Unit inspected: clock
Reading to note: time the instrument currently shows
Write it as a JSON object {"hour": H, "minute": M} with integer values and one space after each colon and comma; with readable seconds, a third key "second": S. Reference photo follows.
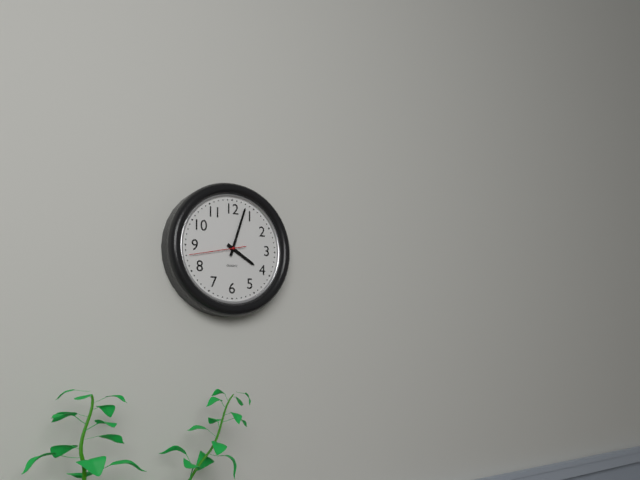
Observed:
{"hour": 4, "minute": 3, "second": 43}
